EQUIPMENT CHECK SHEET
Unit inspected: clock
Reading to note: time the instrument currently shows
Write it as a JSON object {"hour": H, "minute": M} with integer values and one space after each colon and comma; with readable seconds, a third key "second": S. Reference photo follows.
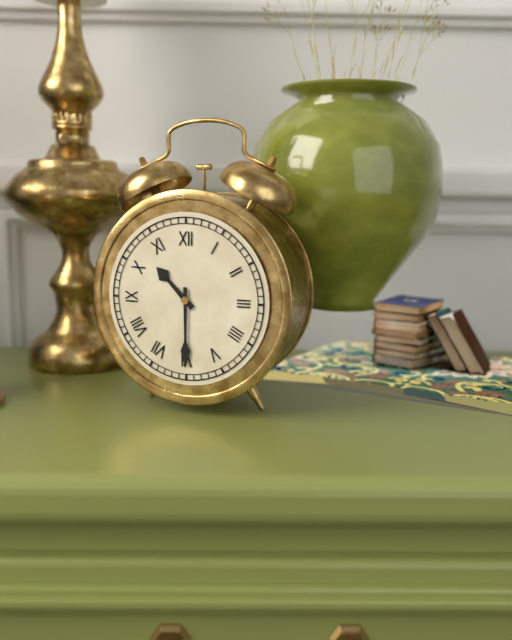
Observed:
{"hour": 10, "minute": 30}
